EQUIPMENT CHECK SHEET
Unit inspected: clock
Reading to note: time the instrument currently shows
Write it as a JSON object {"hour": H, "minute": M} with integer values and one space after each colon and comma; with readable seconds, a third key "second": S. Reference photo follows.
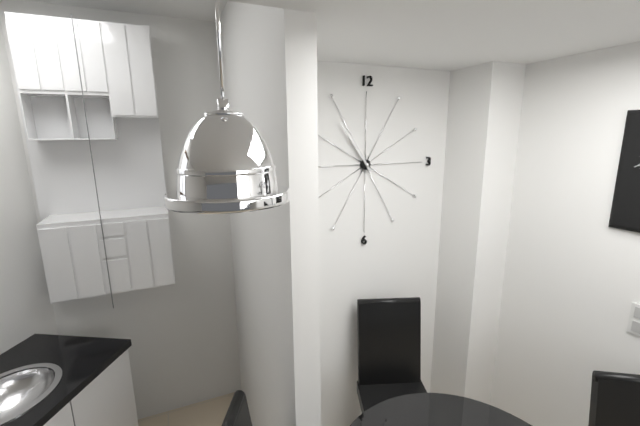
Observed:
{"hour": 10, "minute": 54}
